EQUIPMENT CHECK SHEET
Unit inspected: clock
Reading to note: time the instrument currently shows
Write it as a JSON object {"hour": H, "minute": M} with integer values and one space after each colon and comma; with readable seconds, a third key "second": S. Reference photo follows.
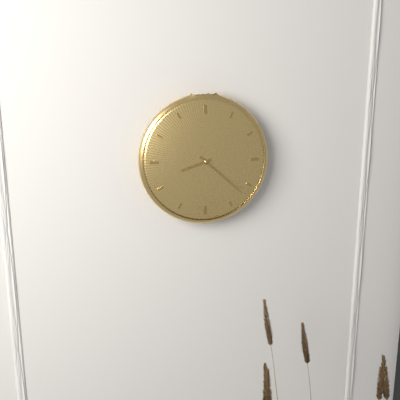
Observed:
{"hour": 8, "minute": 22}
